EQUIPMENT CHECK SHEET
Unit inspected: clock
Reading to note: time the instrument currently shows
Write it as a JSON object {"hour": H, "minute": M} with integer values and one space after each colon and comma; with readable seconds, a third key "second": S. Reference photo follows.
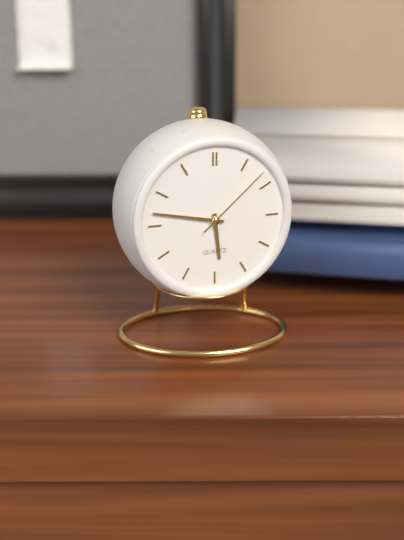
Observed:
{"hour": 5, "minute": 47, "second": 8}
